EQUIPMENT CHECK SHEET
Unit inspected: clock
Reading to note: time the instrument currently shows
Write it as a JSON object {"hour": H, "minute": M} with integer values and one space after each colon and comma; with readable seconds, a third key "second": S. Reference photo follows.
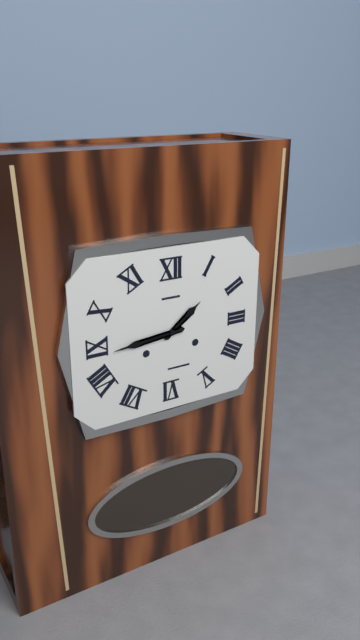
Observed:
{"hour": 1, "minute": 44}
